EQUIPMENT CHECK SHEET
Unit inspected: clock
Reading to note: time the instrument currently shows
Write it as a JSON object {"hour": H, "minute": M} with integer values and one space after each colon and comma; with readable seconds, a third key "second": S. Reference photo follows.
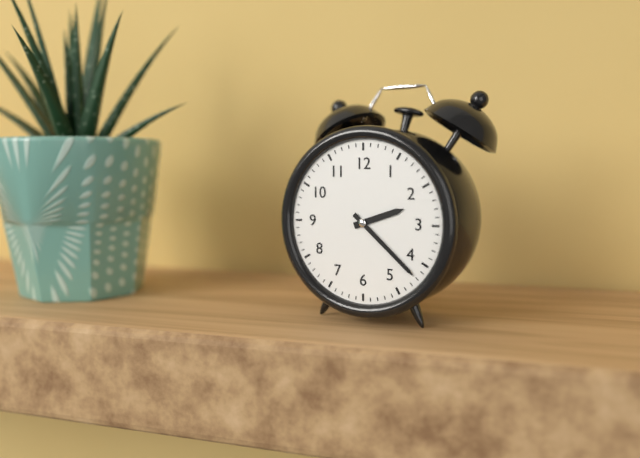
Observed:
{"hour": 2, "minute": 22}
